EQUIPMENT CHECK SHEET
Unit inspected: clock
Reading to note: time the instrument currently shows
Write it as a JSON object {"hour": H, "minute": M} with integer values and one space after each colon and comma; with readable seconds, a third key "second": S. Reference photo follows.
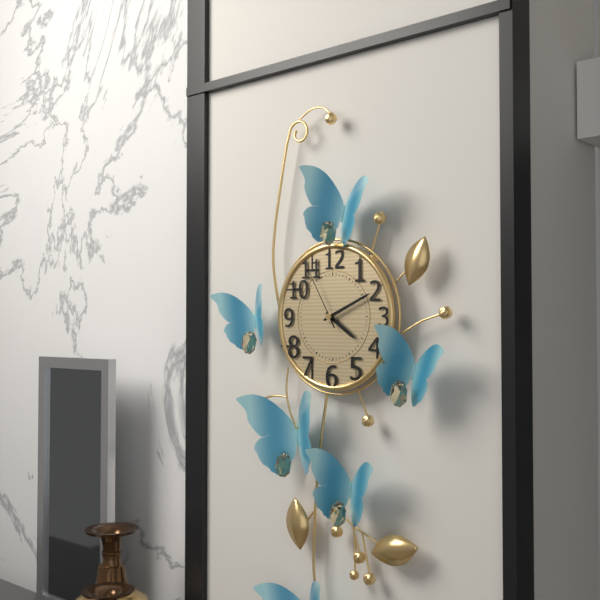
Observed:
{"hour": 4, "minute": 11, "second": 55}
